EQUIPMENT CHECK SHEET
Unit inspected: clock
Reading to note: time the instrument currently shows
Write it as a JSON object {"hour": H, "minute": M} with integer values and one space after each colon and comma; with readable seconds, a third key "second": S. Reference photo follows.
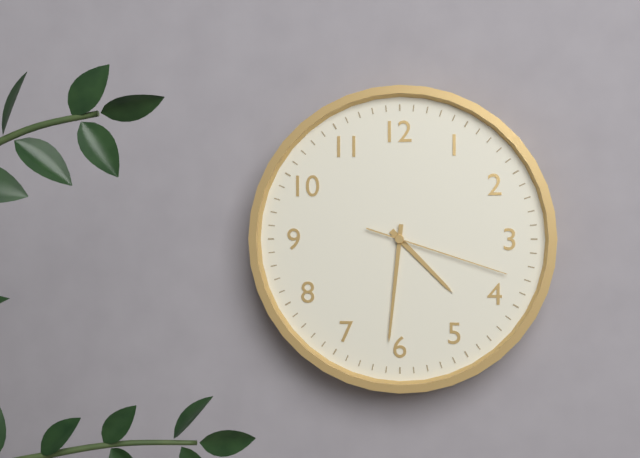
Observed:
{"hour": 4, "minute": 31, "second": 18}
